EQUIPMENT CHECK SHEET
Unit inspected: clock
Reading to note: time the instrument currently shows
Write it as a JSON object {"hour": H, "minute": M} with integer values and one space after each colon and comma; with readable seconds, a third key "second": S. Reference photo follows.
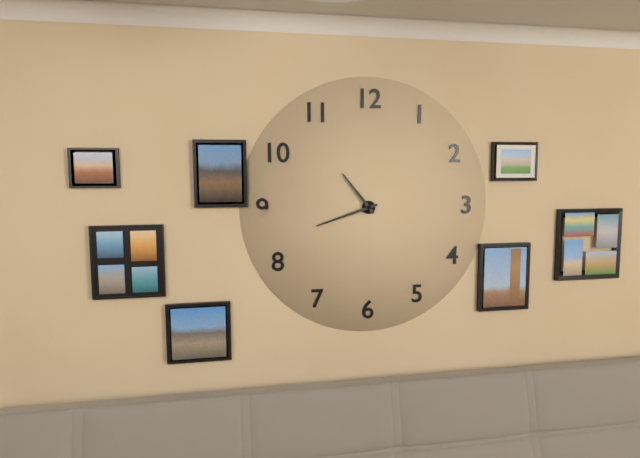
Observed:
{"hour": 10, "minute": 42}
